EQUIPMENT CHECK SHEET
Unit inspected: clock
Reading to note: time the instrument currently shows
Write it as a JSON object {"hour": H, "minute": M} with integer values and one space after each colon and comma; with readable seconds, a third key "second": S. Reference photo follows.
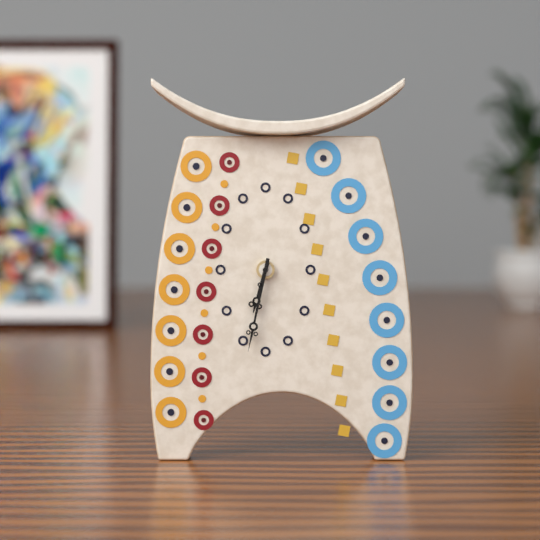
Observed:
{"hour": 6, "minute": 32}
